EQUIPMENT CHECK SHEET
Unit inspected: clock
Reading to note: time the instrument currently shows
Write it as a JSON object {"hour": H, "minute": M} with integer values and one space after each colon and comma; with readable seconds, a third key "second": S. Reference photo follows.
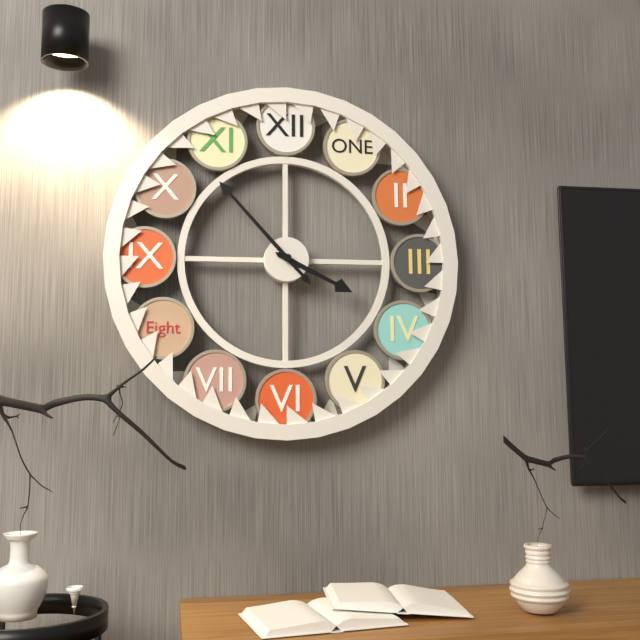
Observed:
{"hour": 3, "minute": 53}
